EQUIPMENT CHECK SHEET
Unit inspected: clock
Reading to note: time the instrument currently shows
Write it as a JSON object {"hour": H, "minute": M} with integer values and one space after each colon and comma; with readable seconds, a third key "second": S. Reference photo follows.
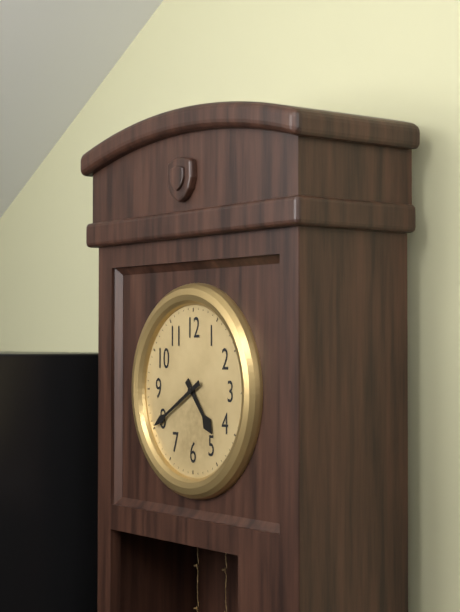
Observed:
{"hour": 4, "minute": 40}
